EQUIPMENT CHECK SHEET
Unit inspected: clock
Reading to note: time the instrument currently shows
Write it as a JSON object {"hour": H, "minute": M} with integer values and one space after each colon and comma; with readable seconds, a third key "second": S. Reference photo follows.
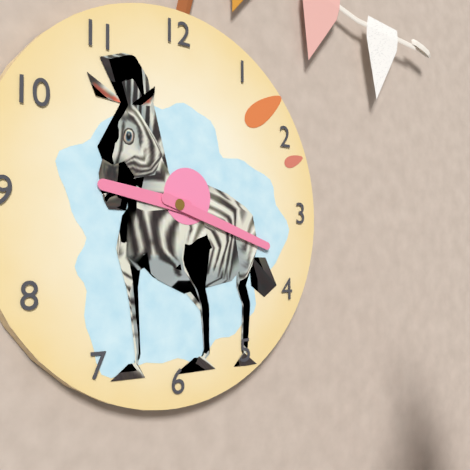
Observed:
{"hour": 9, "minute": 18}
